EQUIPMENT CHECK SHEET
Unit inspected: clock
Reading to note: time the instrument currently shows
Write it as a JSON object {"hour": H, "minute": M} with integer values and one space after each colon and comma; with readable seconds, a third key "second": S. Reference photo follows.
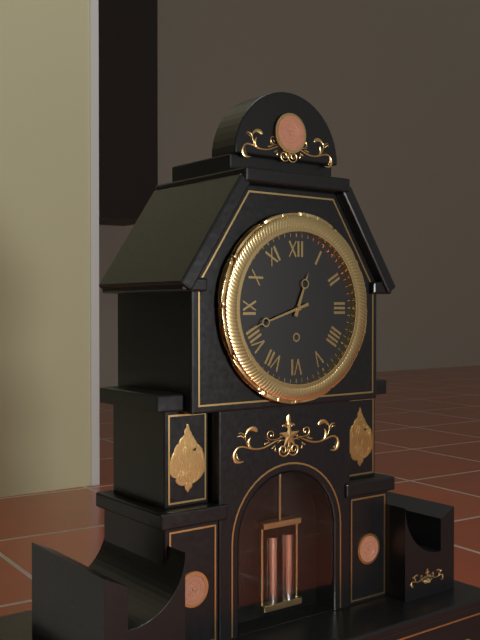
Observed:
{"hour": 12, "minute": 42}
